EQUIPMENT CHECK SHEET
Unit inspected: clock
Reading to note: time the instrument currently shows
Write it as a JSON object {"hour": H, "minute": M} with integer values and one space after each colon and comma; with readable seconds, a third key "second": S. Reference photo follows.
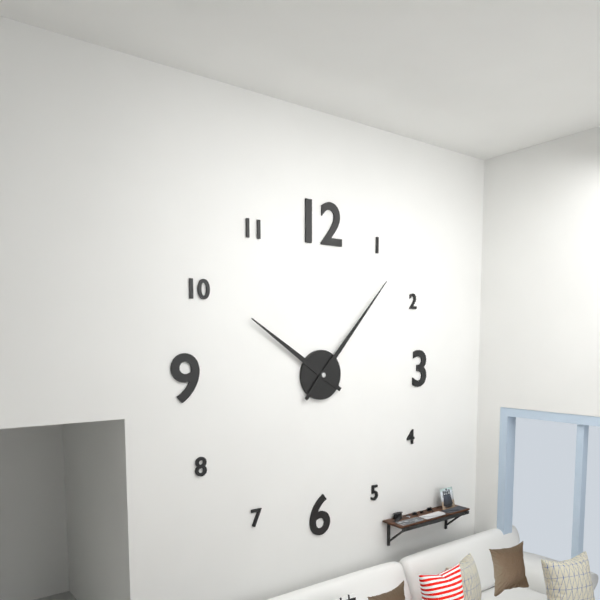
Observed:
{"hour": 10, "minute": 7}
